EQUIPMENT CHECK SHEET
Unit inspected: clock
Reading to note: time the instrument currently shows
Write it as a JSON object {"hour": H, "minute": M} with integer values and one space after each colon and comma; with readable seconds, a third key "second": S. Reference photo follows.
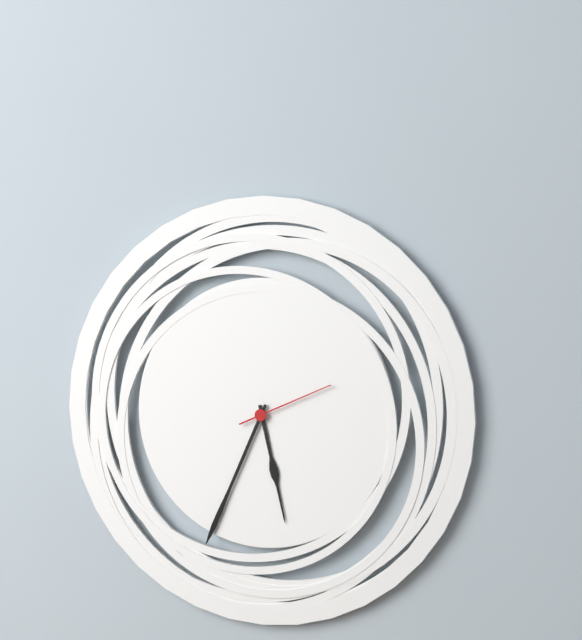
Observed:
{"hour": 5, "minute": 34, "second": 11}
